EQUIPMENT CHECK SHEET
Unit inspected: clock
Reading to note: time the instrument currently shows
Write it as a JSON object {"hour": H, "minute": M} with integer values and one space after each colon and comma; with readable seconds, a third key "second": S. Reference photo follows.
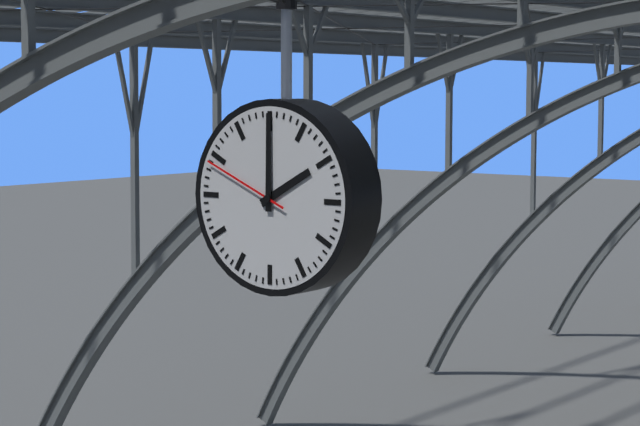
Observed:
{"hour": 2, "minute": 0, "second": 49}
